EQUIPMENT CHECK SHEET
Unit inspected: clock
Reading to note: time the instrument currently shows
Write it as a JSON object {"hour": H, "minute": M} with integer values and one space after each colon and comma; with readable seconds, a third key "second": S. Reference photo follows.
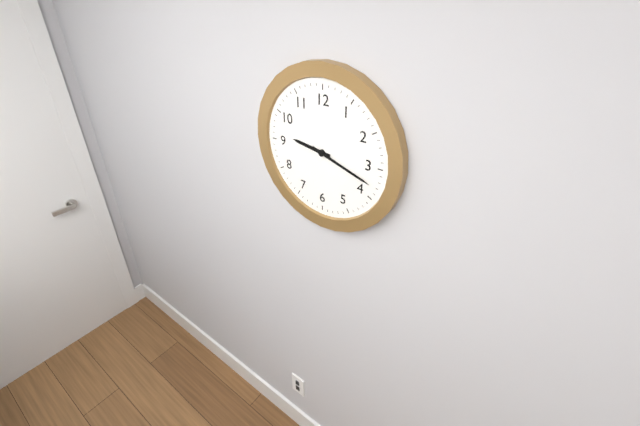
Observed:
{"hour": 9, "minute": 18}
